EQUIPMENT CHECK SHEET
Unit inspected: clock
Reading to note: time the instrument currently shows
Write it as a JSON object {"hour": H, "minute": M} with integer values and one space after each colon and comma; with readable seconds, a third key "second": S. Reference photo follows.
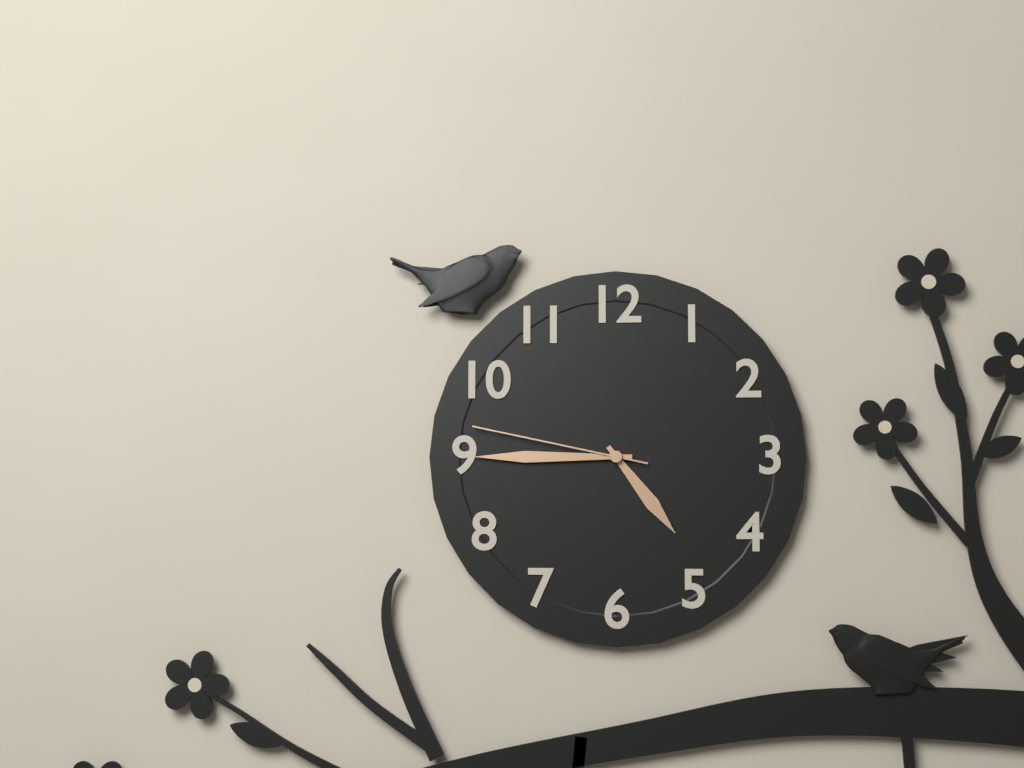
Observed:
{"hour": 4, "minute": 45, "second": 47}
